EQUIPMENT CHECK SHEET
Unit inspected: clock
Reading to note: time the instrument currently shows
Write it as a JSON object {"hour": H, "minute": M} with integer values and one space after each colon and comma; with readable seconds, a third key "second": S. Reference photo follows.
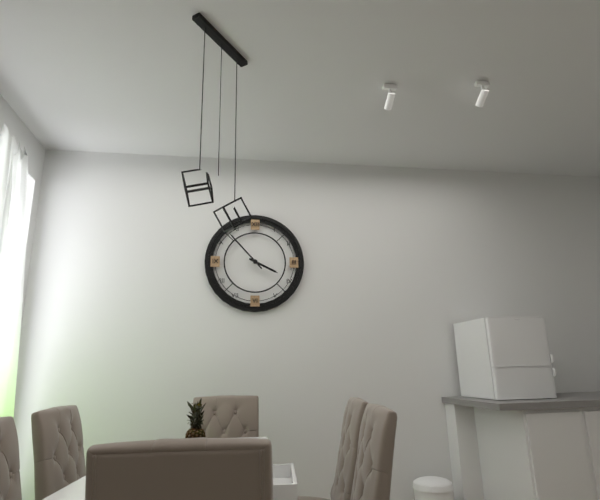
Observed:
{"hour": 3, "minute": 53}
